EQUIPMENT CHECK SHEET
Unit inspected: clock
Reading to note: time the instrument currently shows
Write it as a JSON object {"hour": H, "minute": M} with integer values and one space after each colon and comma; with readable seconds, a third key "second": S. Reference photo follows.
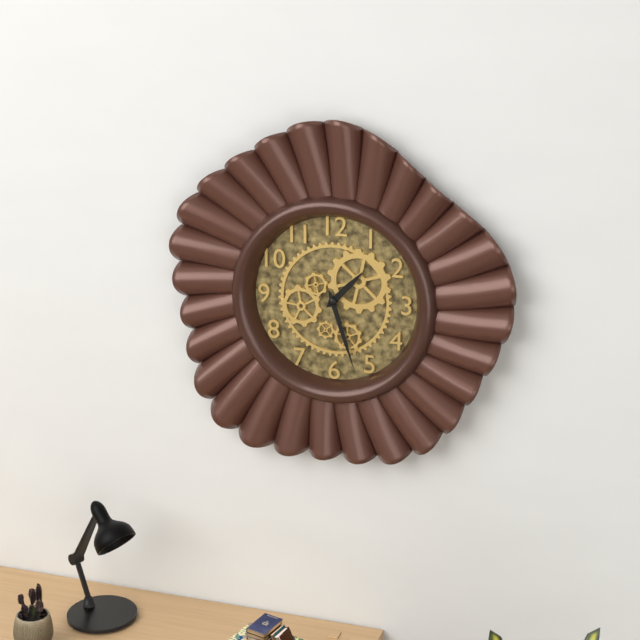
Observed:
{"hour": 1, "minute": 27}
